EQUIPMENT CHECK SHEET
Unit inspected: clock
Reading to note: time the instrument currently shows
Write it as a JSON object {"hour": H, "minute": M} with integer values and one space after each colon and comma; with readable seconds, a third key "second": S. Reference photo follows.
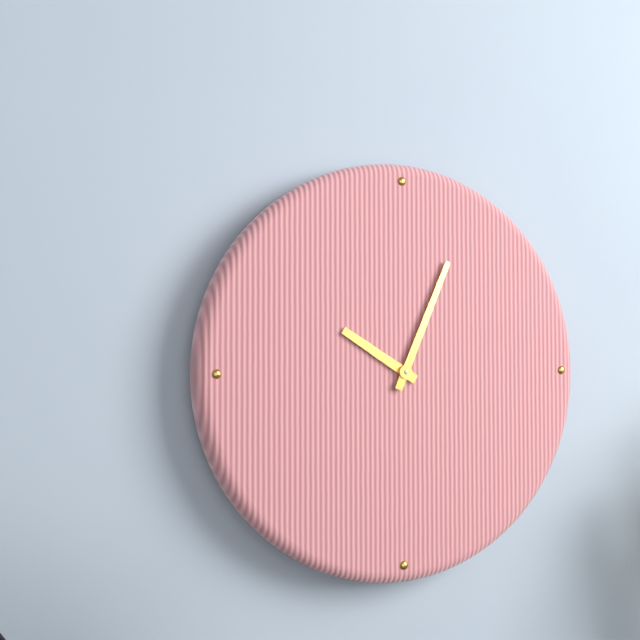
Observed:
{"hour": 10, "minute": 4}
